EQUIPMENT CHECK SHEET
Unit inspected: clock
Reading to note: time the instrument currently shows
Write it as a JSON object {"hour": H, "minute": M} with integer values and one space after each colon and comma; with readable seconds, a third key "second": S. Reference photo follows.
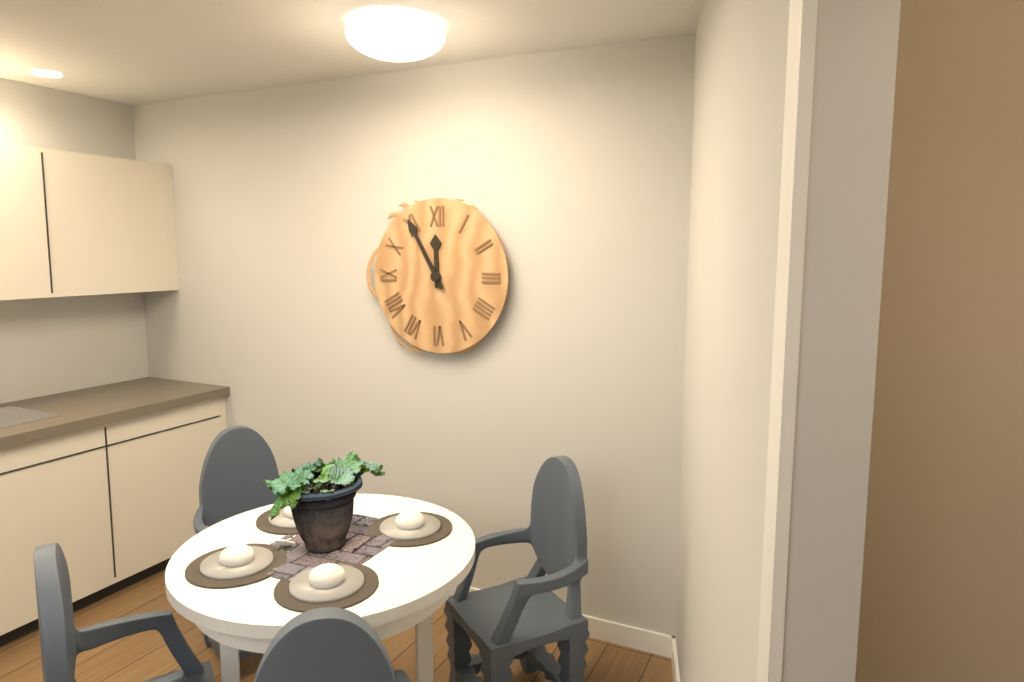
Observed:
{"hour": 11, "minute": 55}
